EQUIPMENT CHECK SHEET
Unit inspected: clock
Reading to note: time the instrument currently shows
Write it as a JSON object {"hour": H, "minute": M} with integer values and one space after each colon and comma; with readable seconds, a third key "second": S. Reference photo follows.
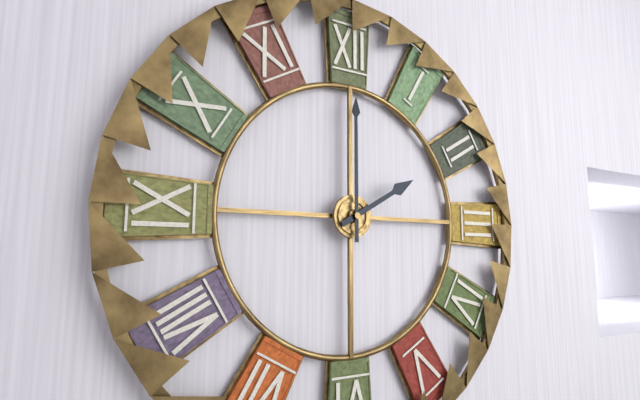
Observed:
{"hour": 2, "minute": 0}
